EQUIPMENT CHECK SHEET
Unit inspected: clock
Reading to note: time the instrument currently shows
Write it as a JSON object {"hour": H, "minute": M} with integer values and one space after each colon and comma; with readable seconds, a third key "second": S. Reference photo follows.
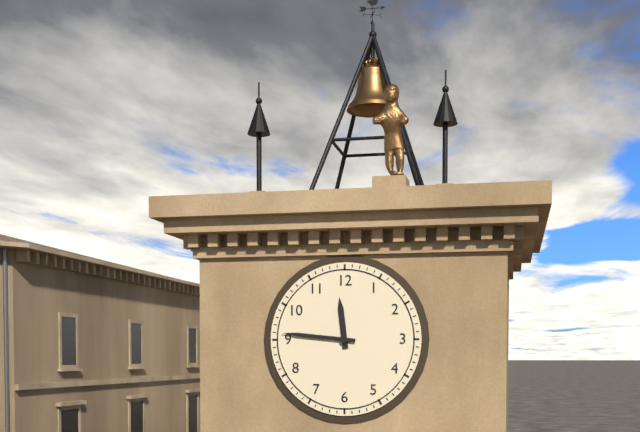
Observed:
{"hour": 11, "minute": 46}
